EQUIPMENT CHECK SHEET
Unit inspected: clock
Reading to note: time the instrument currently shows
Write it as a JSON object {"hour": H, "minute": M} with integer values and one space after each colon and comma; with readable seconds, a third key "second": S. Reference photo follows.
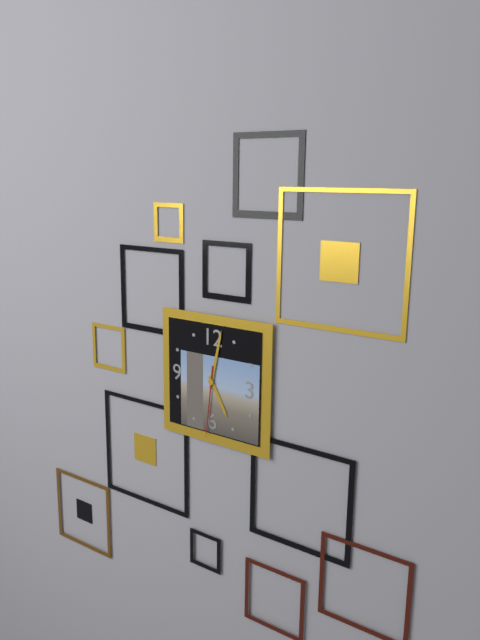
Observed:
{"hour": 5, "minute": 2, "second": 31}
